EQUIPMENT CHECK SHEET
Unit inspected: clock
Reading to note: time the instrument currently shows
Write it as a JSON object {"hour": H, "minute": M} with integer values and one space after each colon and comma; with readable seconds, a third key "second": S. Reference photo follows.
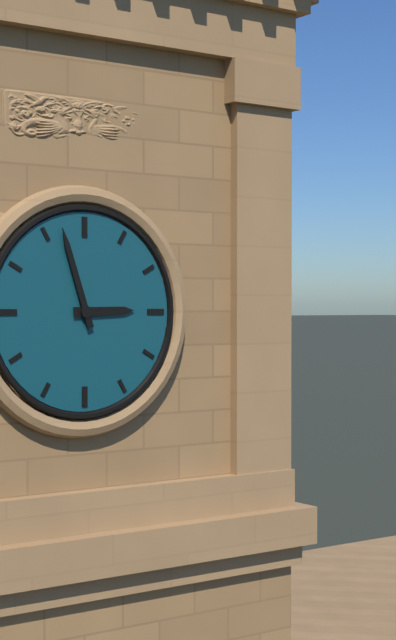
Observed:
{"hour": 2, "minute": 57}
